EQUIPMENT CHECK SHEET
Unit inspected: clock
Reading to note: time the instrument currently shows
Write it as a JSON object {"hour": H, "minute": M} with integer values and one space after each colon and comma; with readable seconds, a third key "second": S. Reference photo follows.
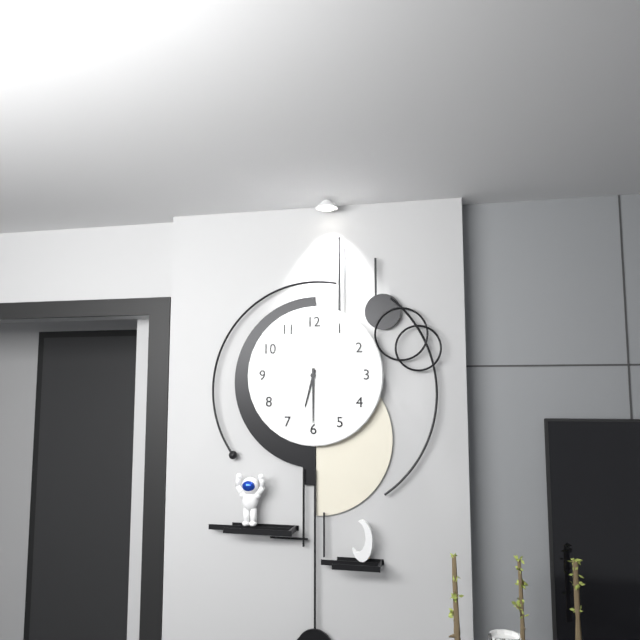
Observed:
{"hour": 6, "minute": 30}
